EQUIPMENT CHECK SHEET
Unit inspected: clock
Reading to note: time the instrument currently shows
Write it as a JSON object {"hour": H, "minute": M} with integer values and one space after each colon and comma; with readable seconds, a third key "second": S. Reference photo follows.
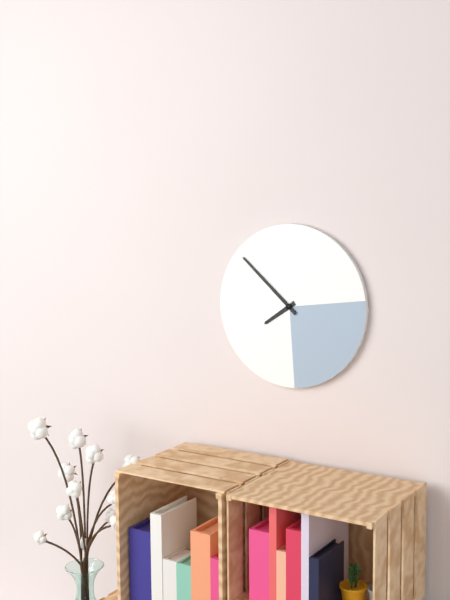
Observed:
{"hour": 7, "minute": 52}
